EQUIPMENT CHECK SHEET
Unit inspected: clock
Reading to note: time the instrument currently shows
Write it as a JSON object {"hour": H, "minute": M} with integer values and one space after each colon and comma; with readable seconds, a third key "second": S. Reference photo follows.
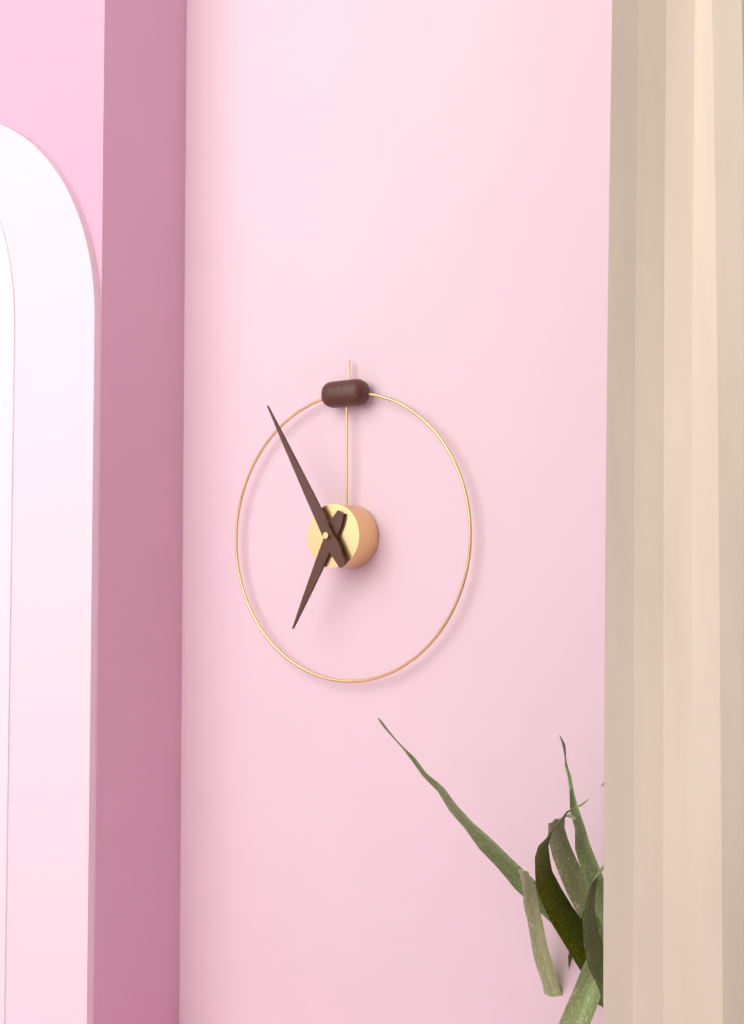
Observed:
{"hour": 6, "minute": 55}
